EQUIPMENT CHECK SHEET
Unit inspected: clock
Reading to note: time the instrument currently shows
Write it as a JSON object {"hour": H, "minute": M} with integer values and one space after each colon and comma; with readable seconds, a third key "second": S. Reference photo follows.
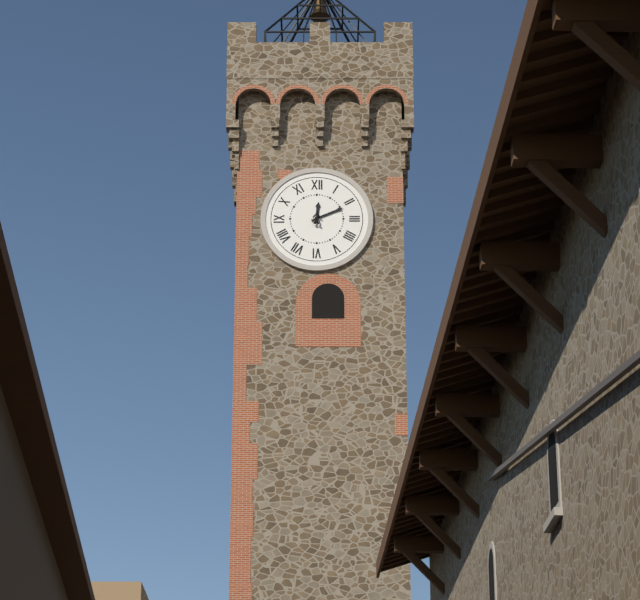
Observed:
{"hour": 12, "minute": 11}
